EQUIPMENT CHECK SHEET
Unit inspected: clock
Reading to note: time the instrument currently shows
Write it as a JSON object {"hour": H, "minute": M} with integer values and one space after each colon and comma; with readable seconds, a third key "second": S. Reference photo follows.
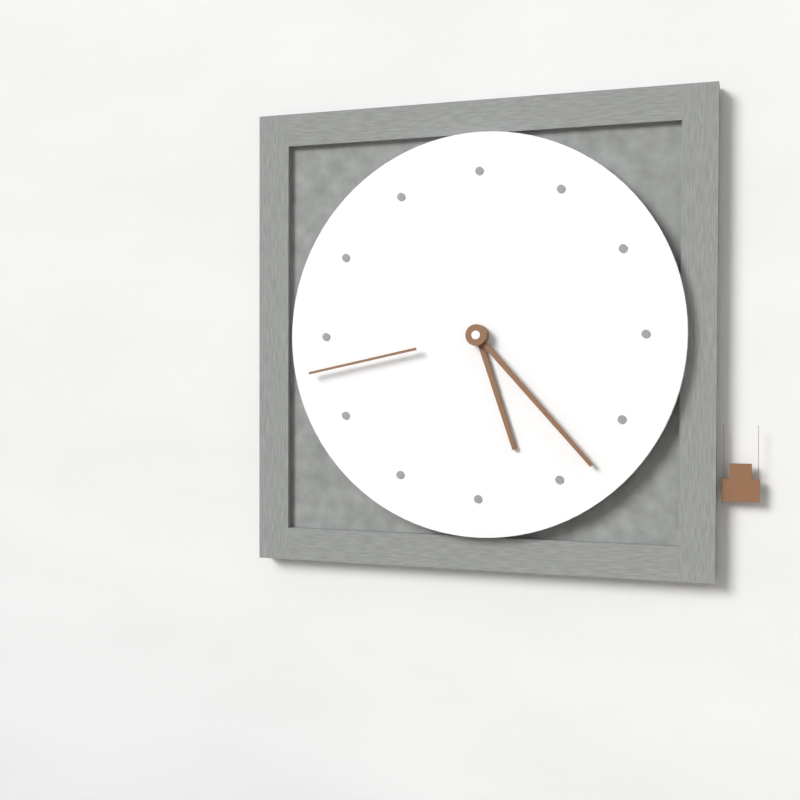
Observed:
{"hour": 5, "minute": 23, "second": 43}
